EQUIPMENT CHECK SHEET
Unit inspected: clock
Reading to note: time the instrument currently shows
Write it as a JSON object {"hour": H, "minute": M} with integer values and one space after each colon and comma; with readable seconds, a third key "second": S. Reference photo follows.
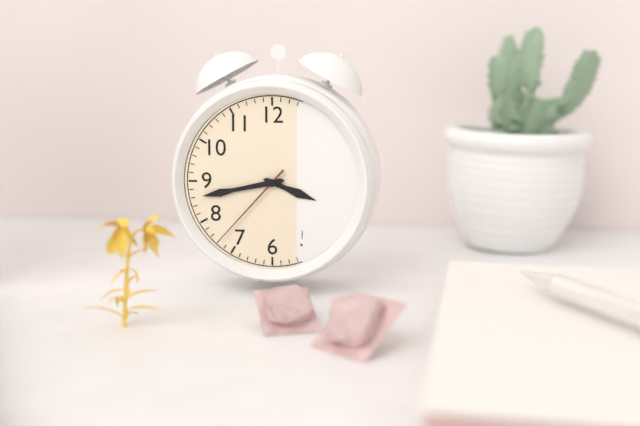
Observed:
{"hour": 3, "minute": 43, "second": 37}
